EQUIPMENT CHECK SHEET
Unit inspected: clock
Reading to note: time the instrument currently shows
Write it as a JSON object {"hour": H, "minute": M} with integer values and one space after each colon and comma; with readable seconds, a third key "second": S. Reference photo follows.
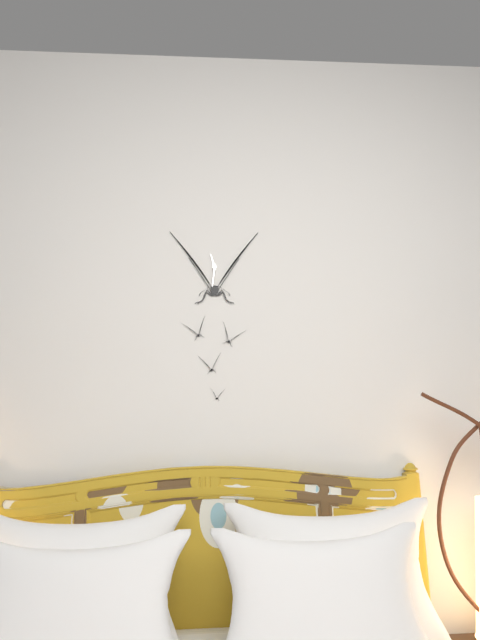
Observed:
{"hour": 11, "minute": 31}
